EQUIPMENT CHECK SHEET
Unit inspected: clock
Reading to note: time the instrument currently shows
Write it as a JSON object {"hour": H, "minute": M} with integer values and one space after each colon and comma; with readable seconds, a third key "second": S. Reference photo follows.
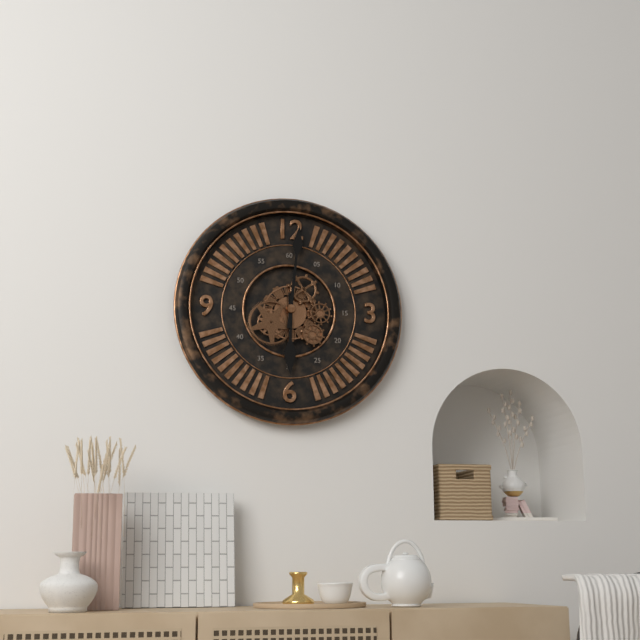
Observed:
{"hour": 6, "minute": 1}
